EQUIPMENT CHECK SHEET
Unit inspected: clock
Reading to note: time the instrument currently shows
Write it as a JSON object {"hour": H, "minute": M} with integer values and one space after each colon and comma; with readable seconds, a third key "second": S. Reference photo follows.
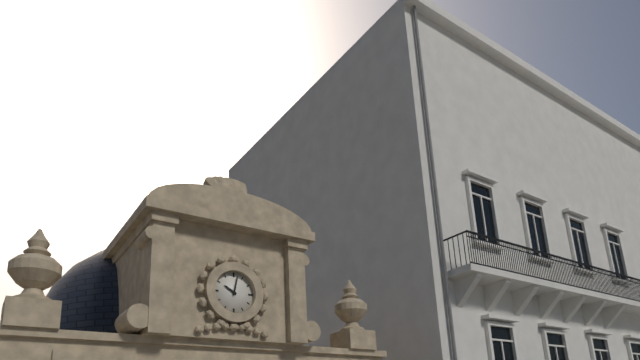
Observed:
{"hour": 10, "minute": 2}
